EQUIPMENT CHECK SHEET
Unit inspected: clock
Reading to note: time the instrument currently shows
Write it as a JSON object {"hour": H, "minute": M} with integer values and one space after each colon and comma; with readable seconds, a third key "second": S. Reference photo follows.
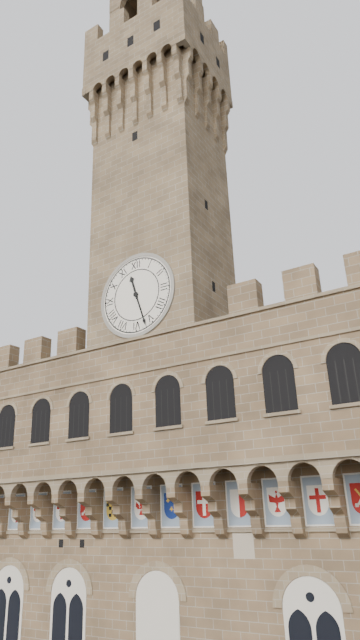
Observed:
{"hour": 11, "minute": 27}
